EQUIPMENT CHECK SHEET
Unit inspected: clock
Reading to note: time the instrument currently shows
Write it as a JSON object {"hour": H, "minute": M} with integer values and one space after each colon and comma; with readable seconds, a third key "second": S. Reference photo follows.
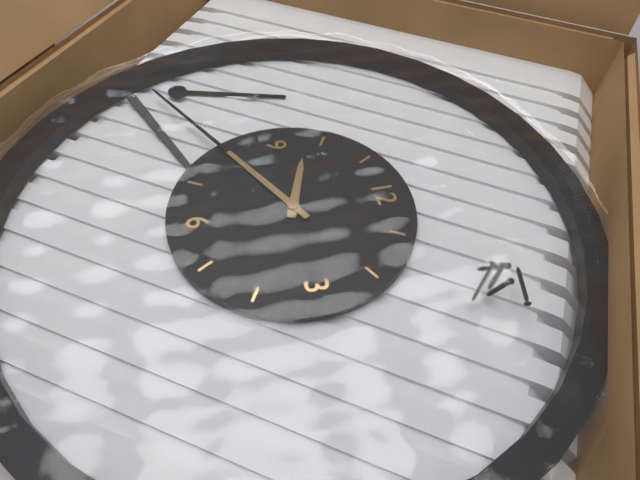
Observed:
{"hour": 9, "minute": 40}
